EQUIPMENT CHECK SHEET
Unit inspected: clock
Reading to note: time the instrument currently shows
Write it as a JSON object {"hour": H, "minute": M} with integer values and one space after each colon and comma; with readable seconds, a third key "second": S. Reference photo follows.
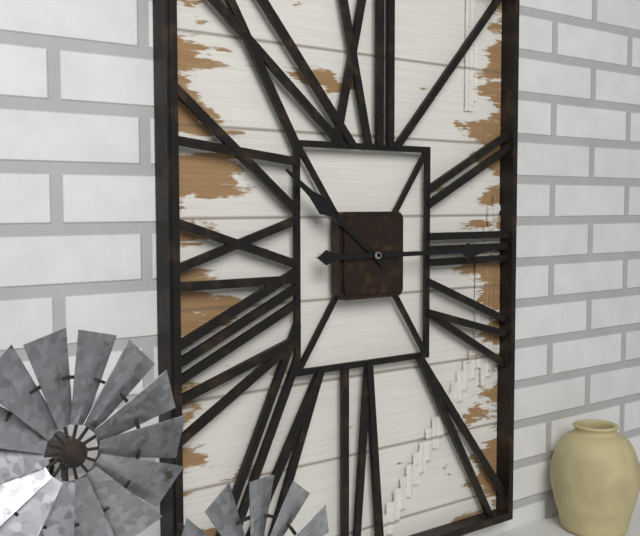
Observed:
{"hour": 10, "minute": 15}
